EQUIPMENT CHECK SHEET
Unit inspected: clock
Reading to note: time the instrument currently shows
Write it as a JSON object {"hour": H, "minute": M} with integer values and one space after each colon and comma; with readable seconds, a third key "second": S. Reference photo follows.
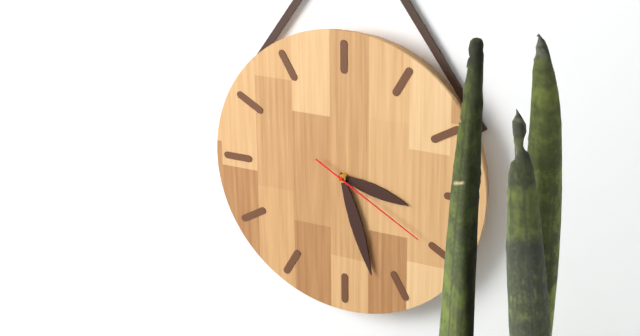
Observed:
{"hour": 3, "minute": 27, "second": 20}
